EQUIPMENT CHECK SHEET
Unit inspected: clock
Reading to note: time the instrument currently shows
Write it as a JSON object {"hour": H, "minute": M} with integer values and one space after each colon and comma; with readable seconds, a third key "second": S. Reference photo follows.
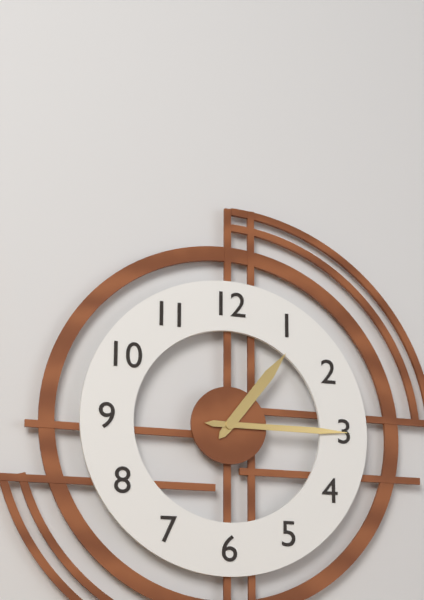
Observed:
{"hour": 1, "minute": 15}
